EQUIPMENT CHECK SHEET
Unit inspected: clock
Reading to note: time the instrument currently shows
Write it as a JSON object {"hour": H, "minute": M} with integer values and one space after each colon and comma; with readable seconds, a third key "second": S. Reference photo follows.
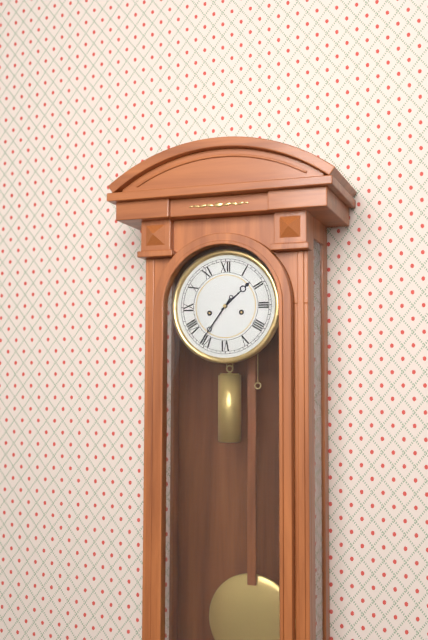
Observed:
{"hour": 1, "minute": 36}
